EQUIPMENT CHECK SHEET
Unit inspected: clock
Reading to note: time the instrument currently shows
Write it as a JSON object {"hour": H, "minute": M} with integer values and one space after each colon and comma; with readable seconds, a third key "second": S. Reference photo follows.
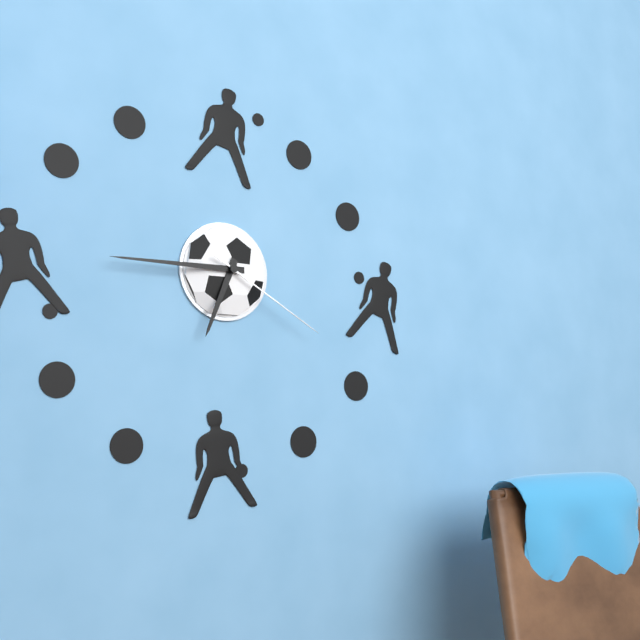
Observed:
{"hour": 6, "minute": 45, "second": 20}
